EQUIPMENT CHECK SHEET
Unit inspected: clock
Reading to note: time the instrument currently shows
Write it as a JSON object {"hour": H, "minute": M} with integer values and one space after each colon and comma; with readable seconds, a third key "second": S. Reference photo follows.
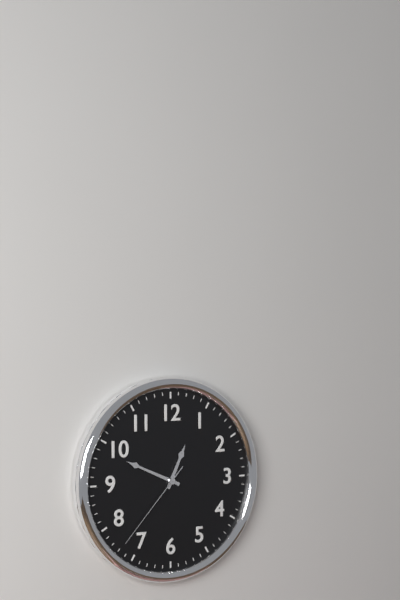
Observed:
{"hour": 12, "minute": 49, "second": 37}
